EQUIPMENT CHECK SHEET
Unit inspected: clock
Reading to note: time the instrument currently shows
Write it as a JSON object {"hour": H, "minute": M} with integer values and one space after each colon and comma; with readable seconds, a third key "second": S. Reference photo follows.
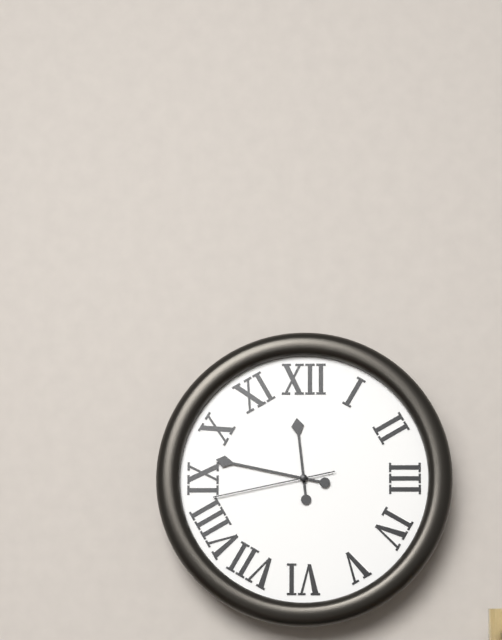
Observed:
{"hour": 11, "minute": 47, "second": 43}
